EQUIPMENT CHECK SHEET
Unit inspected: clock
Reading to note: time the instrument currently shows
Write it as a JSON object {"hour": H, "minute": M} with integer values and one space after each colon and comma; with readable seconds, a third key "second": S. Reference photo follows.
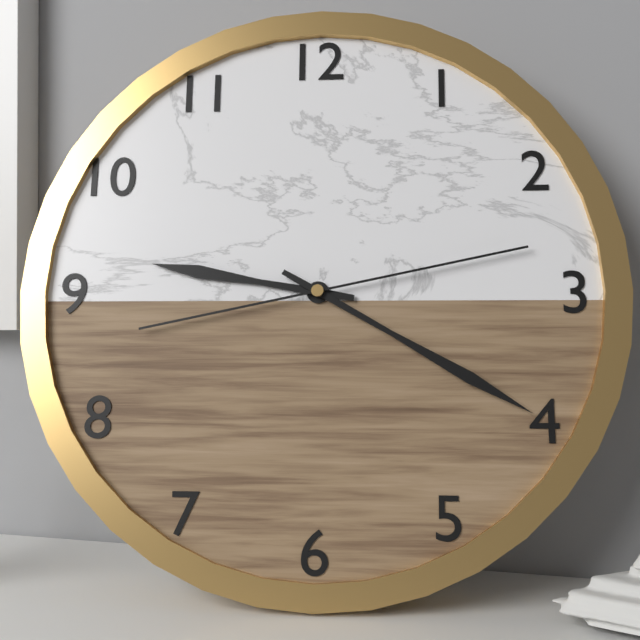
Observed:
{"hour": 9, "minute": 20, "second": 13}
